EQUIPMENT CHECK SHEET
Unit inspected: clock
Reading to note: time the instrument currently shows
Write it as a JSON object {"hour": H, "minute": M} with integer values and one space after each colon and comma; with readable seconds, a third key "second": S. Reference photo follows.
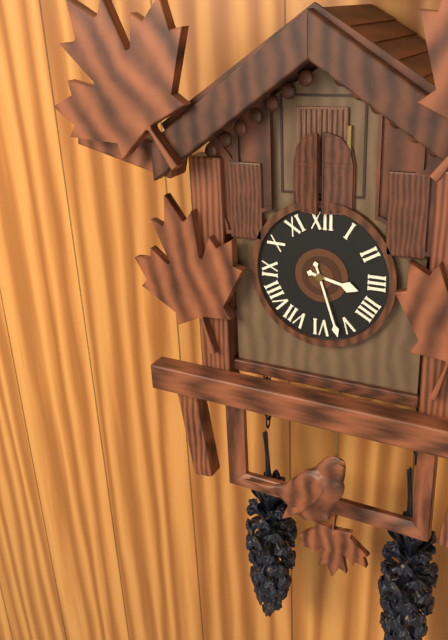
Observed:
{"hour": 3, "minute": 27}
